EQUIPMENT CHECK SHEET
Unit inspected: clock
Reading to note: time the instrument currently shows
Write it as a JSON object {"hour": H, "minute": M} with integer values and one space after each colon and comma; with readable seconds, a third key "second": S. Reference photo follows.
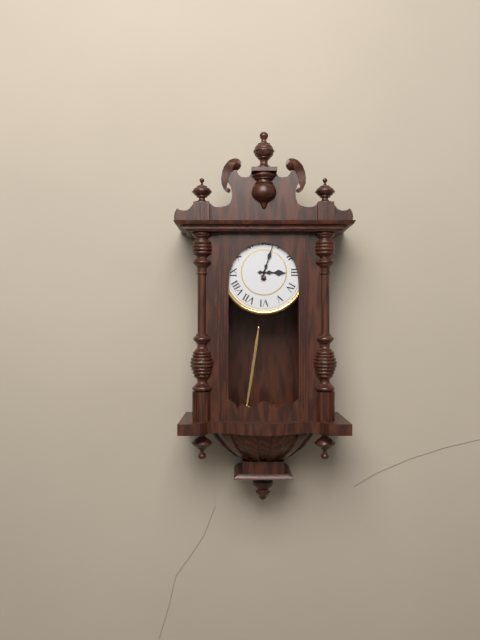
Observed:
{"hour": 3, "minute": 3}
